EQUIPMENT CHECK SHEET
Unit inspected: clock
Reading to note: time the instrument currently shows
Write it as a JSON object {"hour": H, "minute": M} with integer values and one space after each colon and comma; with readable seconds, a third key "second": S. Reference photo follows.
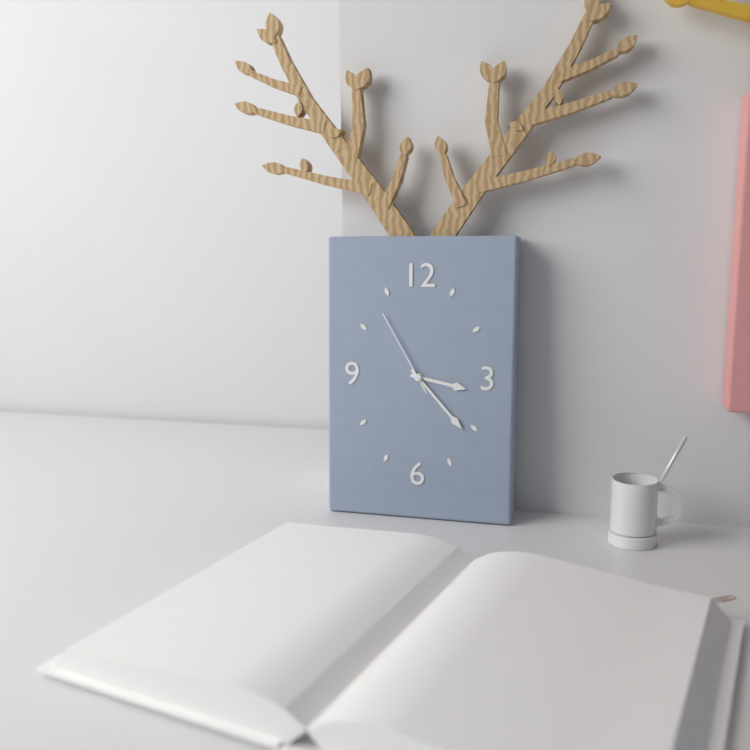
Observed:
{"hour": 3, "minute": 23, "second": 55}
